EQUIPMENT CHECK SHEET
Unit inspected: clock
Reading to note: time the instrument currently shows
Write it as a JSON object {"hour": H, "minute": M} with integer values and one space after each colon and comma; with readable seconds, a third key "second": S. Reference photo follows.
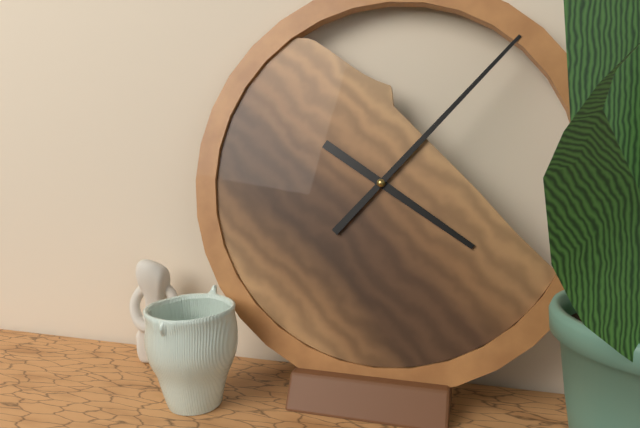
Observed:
{"hour": 4, "minute": 7}
